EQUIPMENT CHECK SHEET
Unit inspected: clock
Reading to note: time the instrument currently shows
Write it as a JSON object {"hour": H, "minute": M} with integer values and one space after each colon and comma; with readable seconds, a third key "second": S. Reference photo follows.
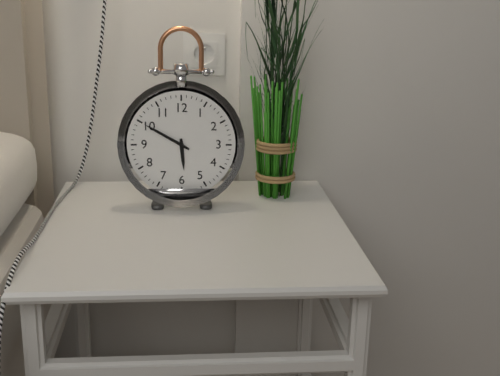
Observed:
{"hour": 5, "minute": 50}
